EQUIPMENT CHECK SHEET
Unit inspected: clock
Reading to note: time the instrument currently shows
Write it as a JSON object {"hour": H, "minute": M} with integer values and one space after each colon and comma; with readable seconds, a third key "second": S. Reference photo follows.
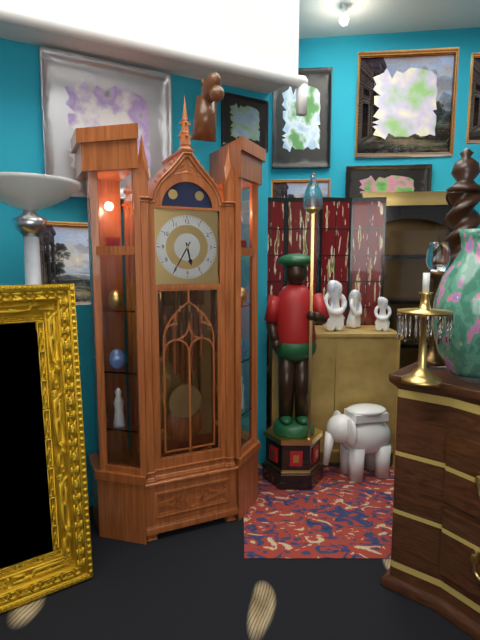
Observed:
{"hour": 5, "minute": 35}
